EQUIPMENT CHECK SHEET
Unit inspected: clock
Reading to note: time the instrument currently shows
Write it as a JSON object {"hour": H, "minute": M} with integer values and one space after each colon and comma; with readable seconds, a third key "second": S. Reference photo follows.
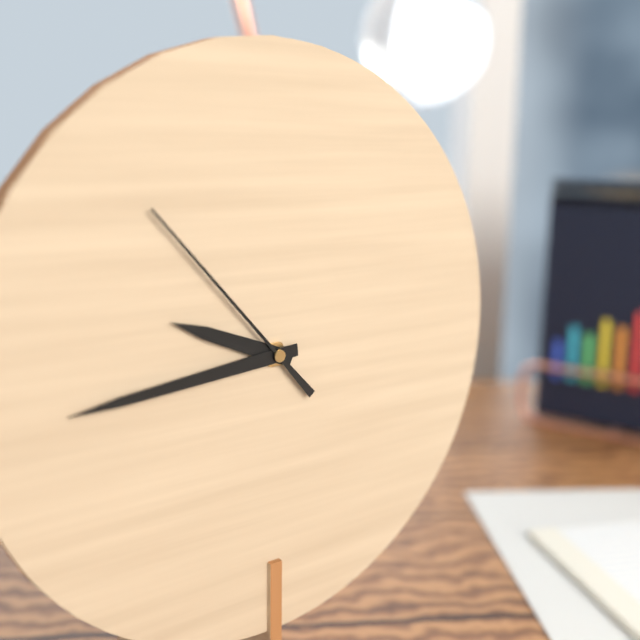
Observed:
{"hour": 9, "minute": 44, "second": 53}
